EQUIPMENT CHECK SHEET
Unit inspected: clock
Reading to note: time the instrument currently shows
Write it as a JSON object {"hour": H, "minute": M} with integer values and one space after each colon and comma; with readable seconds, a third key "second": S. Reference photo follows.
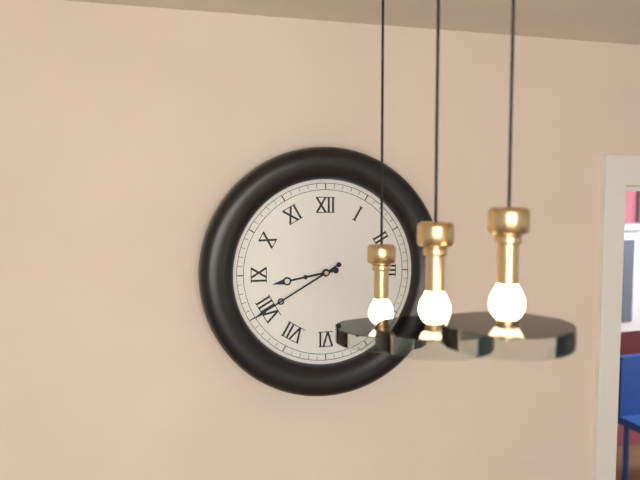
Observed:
{"hour": 8, "minute": 40}
